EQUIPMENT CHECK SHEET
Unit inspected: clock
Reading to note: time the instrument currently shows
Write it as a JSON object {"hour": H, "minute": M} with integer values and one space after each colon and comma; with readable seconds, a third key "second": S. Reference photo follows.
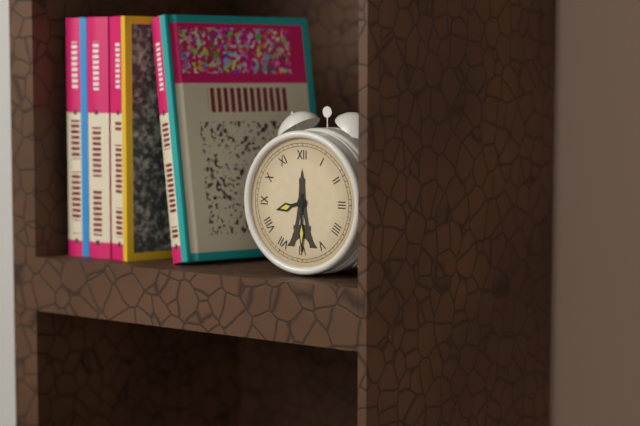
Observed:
{"hour": 8, "minute": 30}
